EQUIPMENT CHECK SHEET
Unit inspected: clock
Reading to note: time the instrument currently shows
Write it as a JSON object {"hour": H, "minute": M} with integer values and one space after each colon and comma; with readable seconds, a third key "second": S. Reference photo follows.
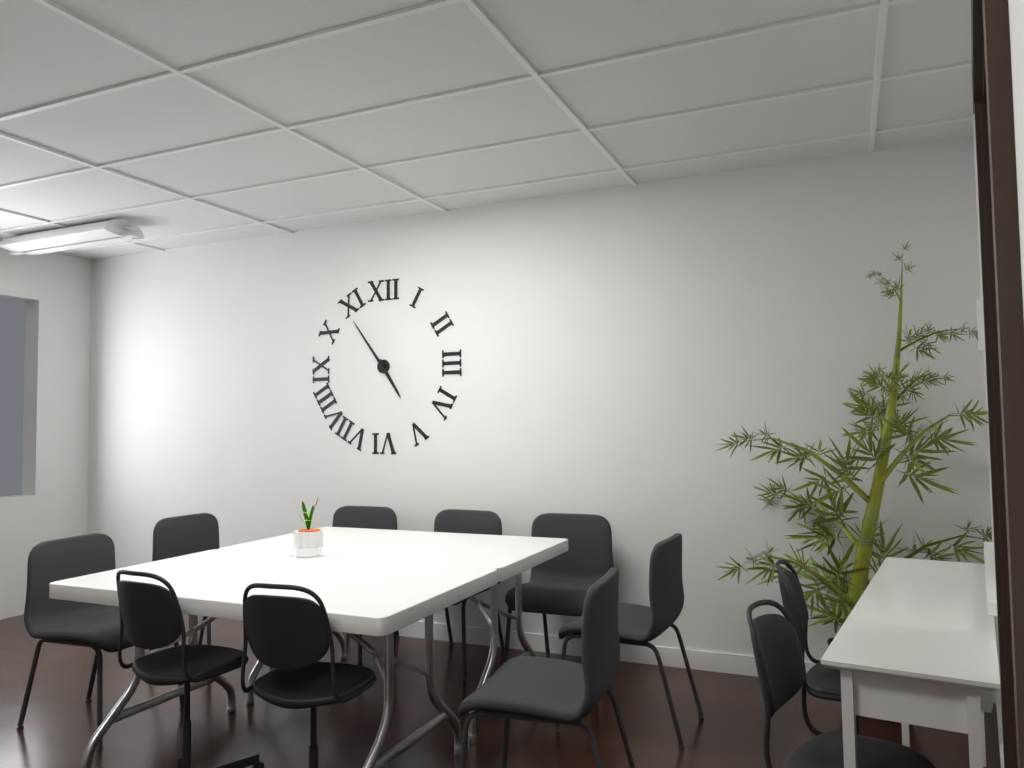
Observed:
{"hour": 4, "minute": 54}
